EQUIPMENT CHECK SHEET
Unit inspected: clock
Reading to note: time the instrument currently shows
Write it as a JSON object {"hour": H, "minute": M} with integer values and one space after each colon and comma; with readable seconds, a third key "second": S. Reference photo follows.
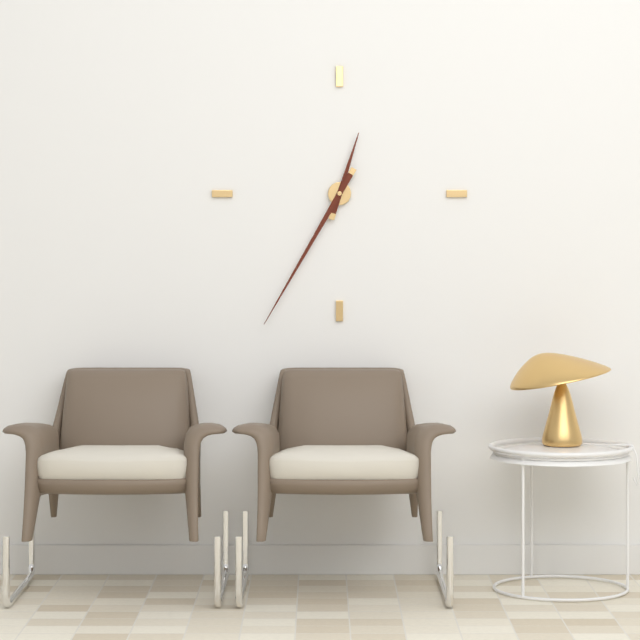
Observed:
{"hour": 12, "minute": 35}
